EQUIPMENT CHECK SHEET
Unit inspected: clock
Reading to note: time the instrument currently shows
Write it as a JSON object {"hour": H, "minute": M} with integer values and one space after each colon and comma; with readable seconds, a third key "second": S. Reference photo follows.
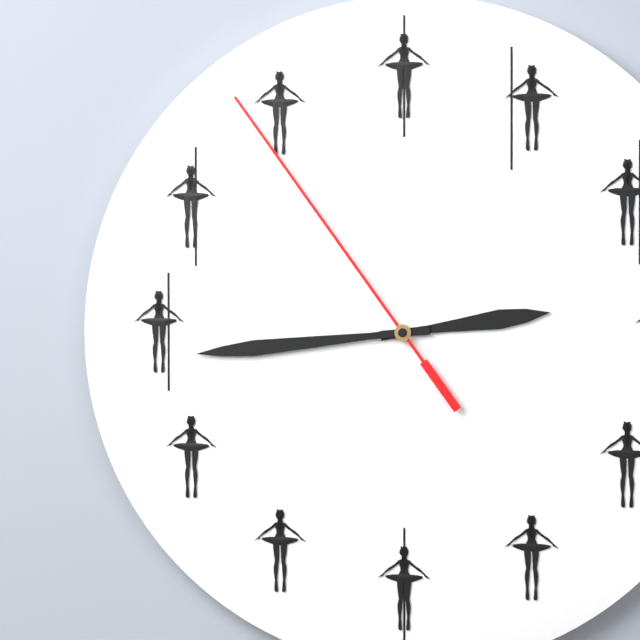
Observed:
{"hour": 2, "minute": 44, "second": 54}
